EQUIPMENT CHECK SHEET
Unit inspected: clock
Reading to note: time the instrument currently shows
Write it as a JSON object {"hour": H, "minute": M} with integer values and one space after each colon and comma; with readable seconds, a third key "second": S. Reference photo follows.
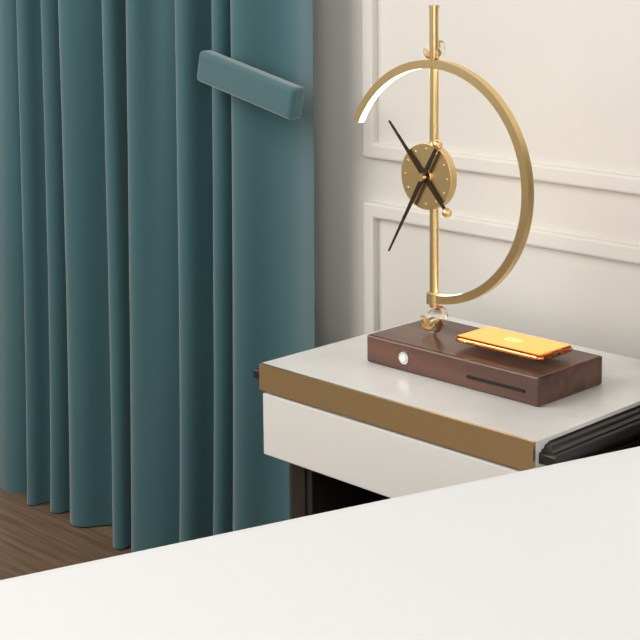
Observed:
{"hour": 10, "minute": 35}
